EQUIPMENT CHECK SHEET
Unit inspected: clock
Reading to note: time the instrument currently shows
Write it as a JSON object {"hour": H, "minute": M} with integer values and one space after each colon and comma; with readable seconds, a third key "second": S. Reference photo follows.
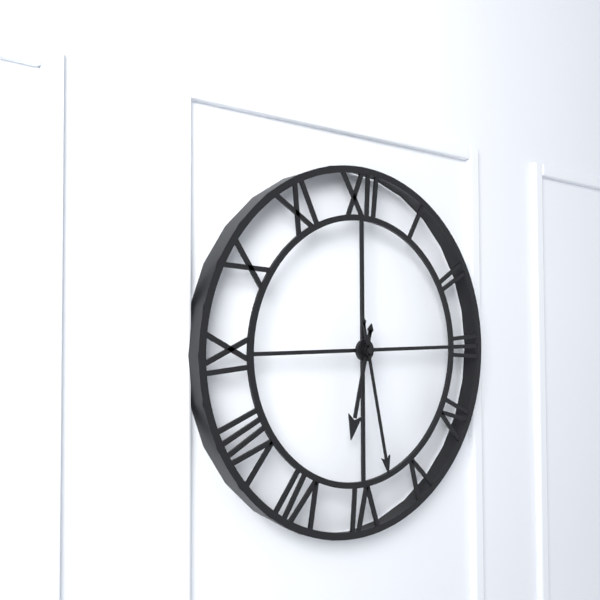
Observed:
{"hour": 6, "minute": 28}
